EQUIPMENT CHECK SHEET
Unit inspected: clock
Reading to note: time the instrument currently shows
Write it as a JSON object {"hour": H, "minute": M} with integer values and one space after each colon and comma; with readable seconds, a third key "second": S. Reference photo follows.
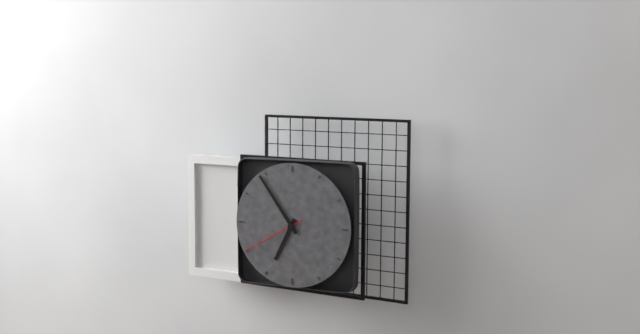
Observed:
{"hour": 6, "minute": 54, "second": 40}
